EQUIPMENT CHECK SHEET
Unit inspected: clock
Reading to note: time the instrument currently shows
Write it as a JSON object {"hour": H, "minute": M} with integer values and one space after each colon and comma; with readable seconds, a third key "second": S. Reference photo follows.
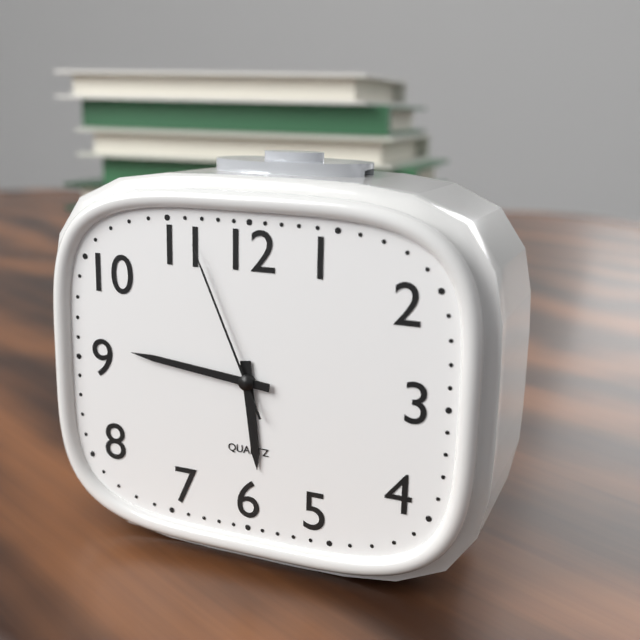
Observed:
{"hour": 5, "minute": 46, "second": 56}
